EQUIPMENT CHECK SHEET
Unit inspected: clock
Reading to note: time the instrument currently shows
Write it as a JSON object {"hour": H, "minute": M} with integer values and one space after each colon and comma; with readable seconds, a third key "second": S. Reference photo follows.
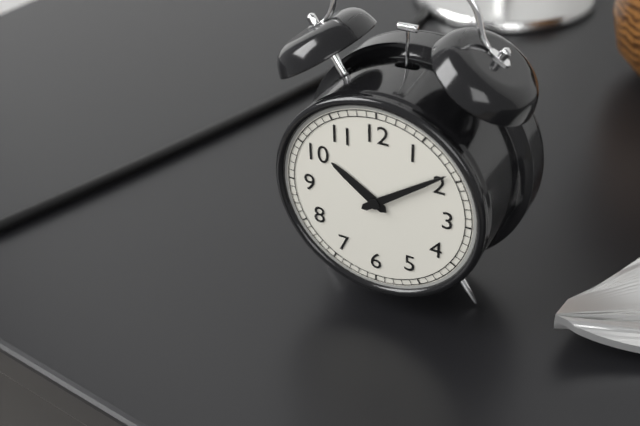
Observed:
{"hour": 10, "minute": 9}
